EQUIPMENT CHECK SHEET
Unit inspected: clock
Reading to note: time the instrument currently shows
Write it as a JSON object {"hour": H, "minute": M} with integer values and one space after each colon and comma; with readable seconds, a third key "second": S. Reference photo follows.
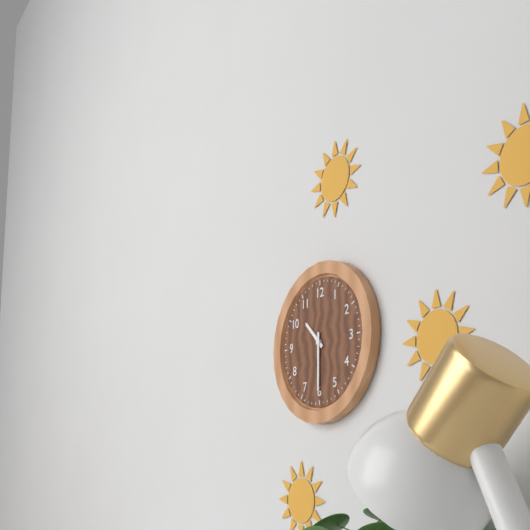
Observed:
{"hour": 10, "minute": 30}
